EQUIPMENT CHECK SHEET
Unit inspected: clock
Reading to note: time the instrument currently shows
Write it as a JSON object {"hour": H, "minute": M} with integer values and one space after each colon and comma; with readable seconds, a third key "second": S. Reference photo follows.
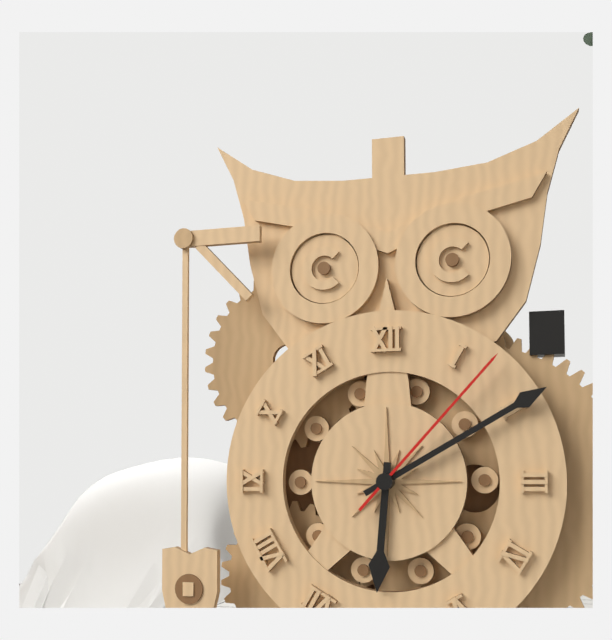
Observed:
{"hour": 6, "minute": 10, "second": 7}
